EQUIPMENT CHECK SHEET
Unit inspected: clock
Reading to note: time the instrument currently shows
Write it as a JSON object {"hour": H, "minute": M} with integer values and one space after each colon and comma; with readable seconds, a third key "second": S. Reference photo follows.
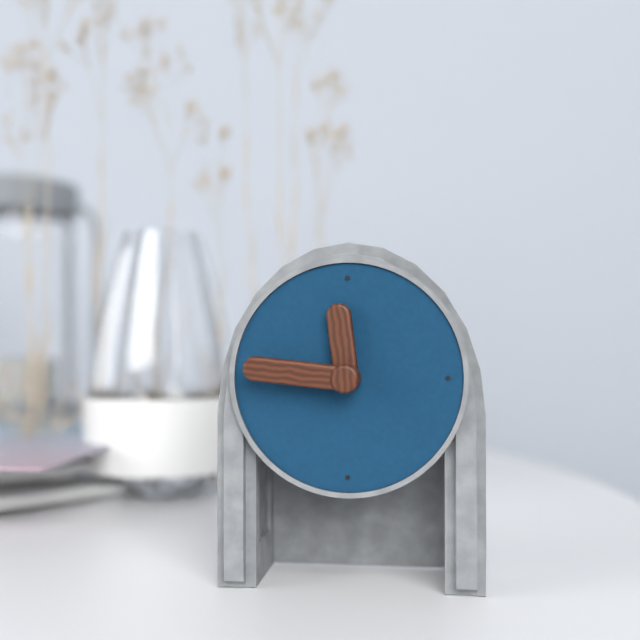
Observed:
{"hour": 11, "minute": 46}
